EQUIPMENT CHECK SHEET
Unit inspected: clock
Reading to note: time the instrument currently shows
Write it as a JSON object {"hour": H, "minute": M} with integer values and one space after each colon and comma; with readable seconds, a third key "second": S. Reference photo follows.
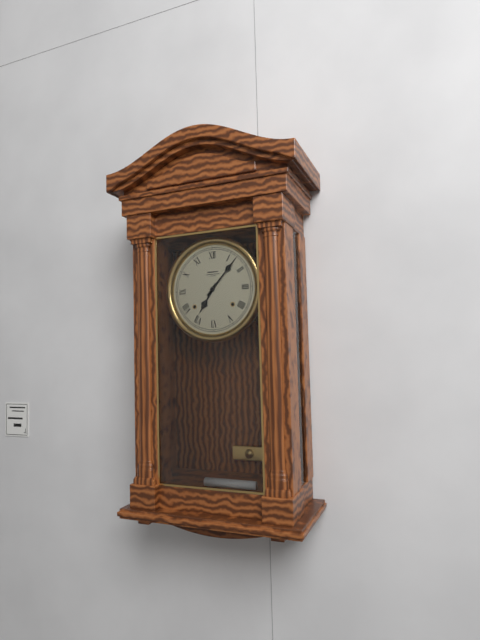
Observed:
{"hour": 7, "minute": 7}
